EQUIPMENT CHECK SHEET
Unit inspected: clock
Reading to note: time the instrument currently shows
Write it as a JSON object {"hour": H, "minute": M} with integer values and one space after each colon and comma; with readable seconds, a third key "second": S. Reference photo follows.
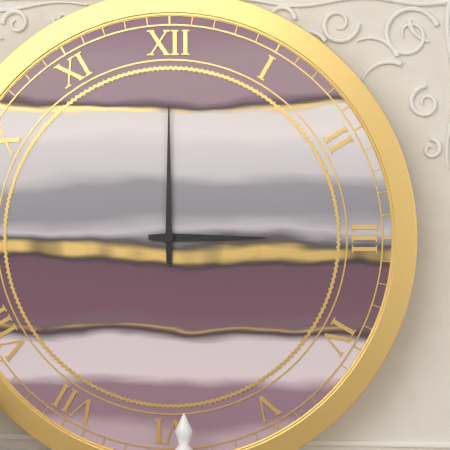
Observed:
{"hour": 3, "minute": 0}
